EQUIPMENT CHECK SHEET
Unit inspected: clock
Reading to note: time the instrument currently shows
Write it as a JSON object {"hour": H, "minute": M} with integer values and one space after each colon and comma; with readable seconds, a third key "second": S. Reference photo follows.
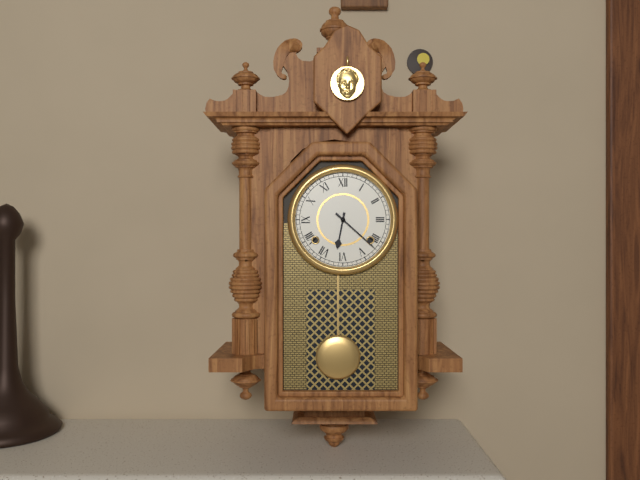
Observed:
{"hour": 6, "minute": 22}
